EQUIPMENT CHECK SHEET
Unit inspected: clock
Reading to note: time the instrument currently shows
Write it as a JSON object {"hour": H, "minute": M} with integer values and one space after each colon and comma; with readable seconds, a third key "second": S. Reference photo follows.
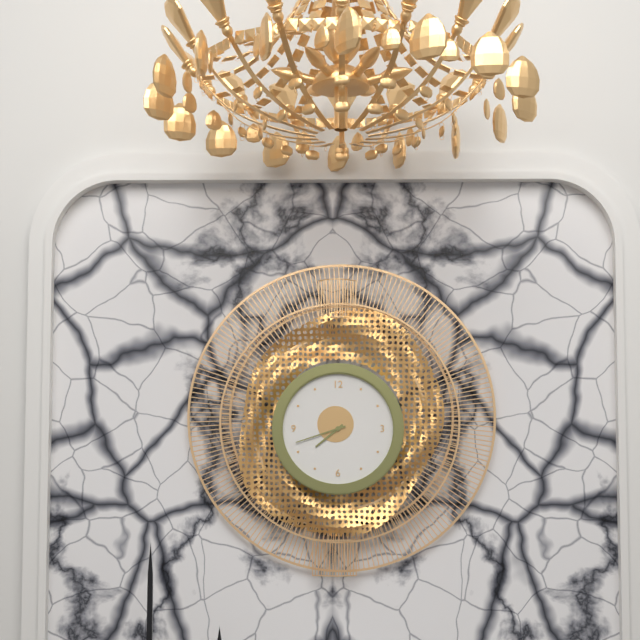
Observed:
{"hour": 7, "minute": 42}
